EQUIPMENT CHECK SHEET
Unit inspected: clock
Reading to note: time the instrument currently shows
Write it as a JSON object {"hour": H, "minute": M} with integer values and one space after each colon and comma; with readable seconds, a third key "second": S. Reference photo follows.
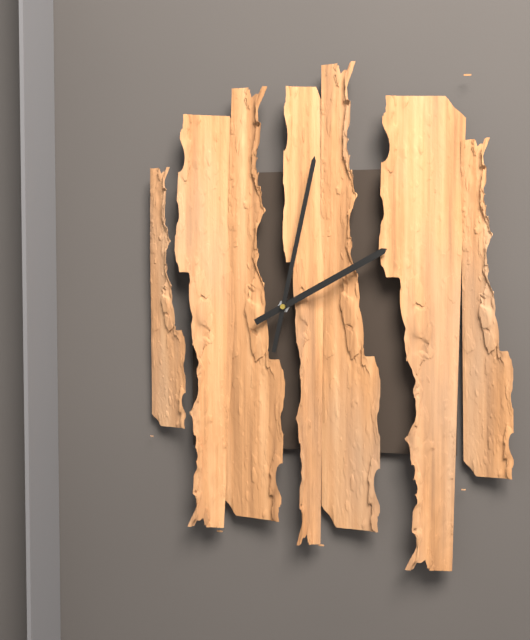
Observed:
{"hour": 2, "minute": 2}
